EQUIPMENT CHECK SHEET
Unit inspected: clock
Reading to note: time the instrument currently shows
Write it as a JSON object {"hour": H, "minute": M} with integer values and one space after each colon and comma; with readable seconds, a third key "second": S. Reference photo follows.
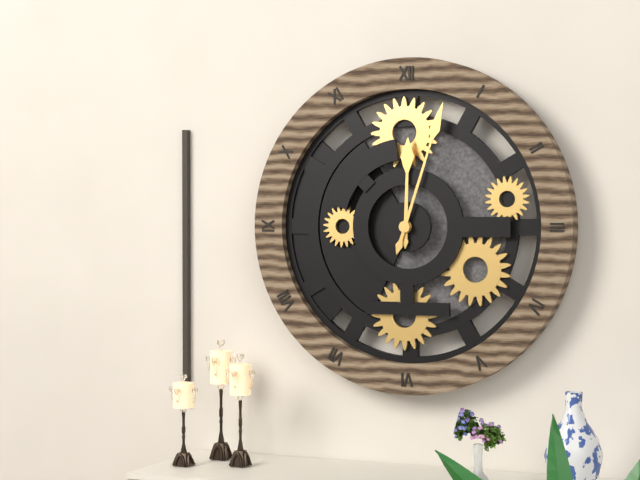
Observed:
{"hour": 12, "minute": 3}
